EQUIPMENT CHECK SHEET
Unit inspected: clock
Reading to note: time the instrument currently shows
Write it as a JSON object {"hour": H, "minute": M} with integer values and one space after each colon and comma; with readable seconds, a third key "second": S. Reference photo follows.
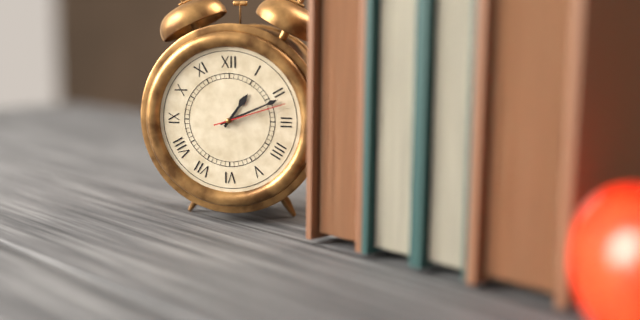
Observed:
{"hour": 1, "minute": 11, "second": 12}
